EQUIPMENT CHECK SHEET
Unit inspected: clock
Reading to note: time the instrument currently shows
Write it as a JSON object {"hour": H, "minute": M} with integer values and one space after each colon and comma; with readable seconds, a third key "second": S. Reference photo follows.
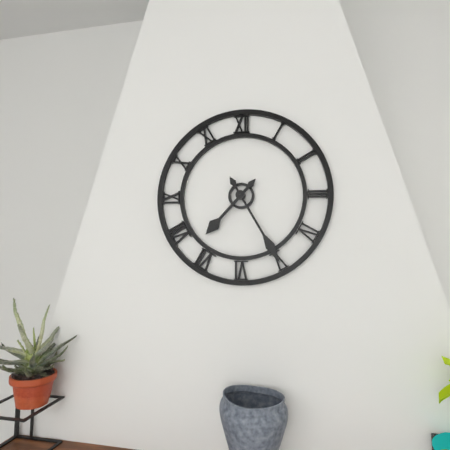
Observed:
{"hour": 7, "minute": 25}
